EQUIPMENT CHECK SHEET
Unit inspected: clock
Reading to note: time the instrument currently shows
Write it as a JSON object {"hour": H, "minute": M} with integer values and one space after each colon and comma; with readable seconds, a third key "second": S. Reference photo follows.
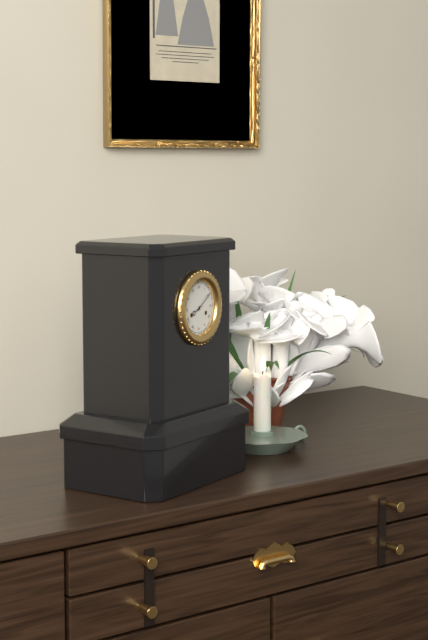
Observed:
{"hour": 8, "minute": 9}
